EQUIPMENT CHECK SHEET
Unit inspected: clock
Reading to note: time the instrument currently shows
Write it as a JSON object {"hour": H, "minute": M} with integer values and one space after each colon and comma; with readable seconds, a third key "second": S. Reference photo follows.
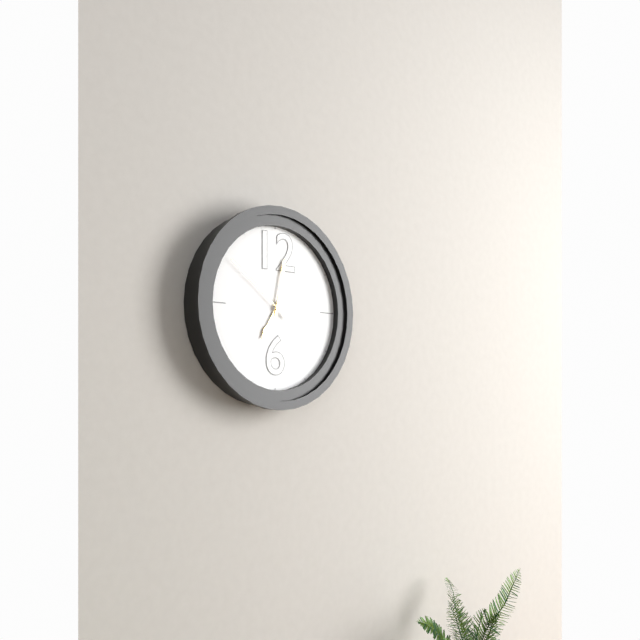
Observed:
{"hour": 7, "minute": 2, "second": 51}
